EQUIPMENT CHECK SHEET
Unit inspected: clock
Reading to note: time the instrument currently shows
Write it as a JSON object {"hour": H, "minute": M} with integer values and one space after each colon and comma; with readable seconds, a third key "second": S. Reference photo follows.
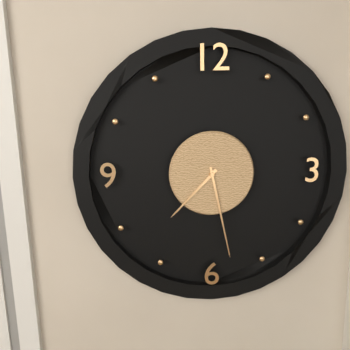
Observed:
{"hour": 7, "minute": 28}
